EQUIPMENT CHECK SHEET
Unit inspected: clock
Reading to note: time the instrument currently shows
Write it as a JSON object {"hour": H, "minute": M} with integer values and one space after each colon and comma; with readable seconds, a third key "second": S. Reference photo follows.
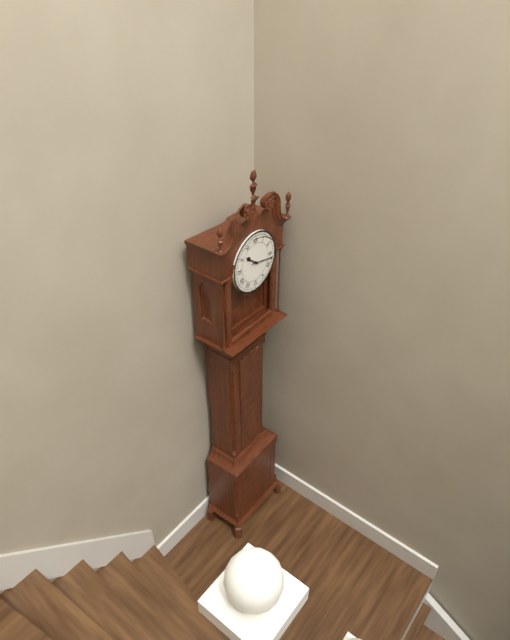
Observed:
{"hour": 10, "minute": 17}
